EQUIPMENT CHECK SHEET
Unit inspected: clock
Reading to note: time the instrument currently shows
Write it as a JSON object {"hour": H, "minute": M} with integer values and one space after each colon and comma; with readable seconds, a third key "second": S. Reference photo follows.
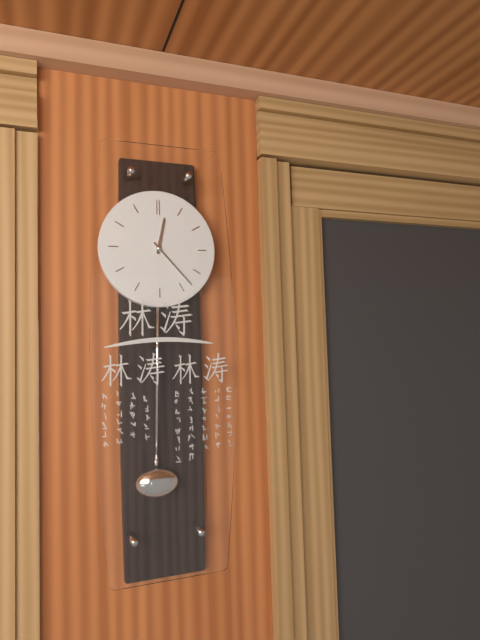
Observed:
{"hour": 12, "minute": 23}
